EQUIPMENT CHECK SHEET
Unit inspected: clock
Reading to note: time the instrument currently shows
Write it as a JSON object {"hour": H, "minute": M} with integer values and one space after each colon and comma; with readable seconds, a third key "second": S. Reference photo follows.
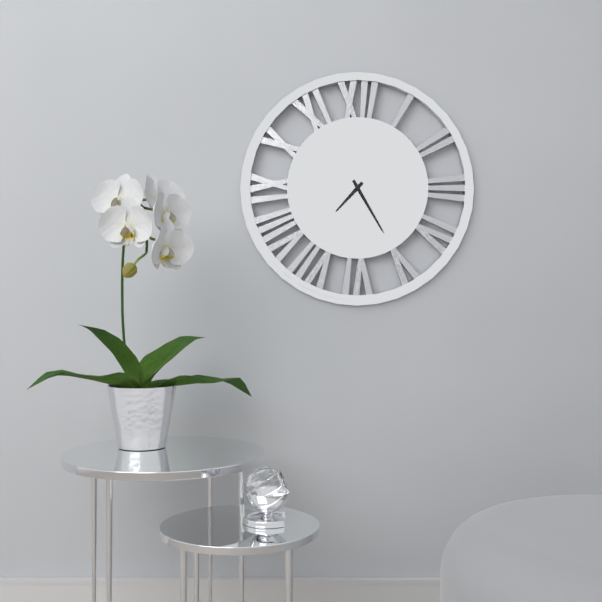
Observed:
{"hour": 7, "minute": 25}
